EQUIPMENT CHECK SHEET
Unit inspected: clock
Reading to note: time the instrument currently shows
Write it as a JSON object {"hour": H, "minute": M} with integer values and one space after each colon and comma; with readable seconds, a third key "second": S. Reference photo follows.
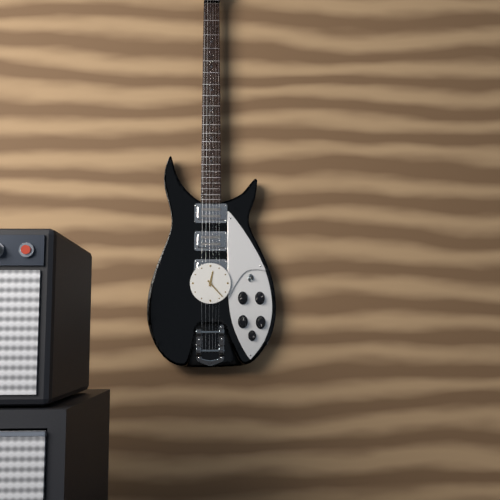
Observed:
{"hour": 12, "minute": 23}
